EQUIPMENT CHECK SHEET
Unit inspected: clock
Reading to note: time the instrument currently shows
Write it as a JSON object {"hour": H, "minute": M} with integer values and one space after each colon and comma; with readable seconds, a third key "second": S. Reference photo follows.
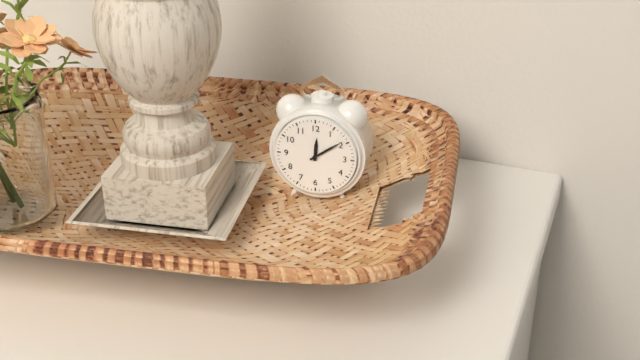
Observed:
{"hour": 12, "minute": 9}
